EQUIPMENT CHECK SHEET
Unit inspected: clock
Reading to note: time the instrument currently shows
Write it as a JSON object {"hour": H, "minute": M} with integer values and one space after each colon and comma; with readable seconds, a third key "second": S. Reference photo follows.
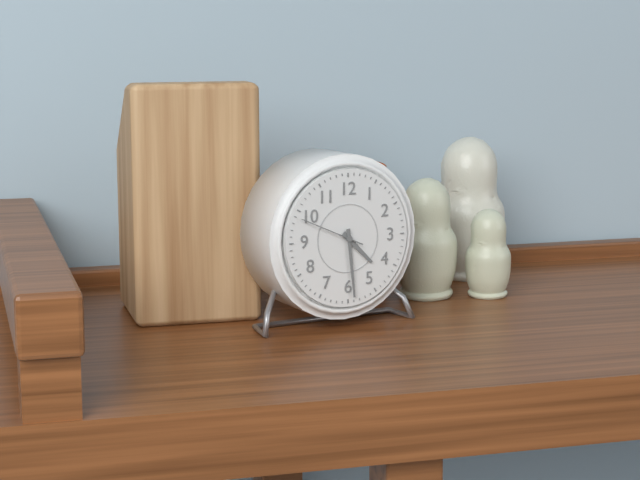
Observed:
{"hour": 4, "minute": 29, "second": 49}
